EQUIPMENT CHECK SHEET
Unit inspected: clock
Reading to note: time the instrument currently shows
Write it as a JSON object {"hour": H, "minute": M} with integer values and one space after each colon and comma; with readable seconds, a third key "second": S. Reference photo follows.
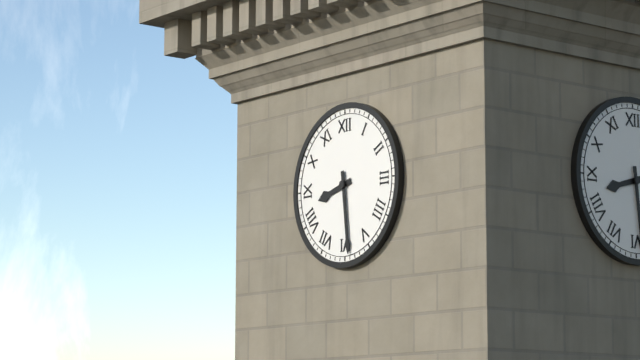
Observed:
{"hour": 8, "minute": 29}
